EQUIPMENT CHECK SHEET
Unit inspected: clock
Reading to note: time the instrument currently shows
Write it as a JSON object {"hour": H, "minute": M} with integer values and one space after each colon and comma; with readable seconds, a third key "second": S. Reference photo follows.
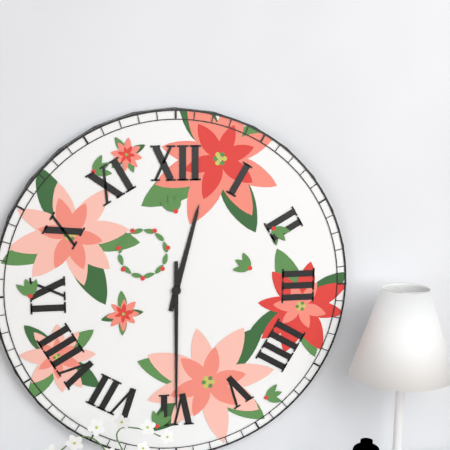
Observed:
{"hour": 12, "minute": 30}
